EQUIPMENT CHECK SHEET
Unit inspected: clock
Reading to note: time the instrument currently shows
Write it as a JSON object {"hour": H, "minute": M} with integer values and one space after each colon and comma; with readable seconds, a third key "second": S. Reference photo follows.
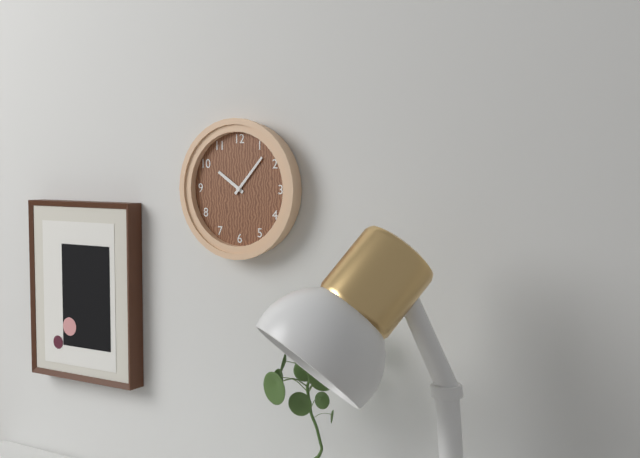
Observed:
{"hour": 10, "minute": 7}
